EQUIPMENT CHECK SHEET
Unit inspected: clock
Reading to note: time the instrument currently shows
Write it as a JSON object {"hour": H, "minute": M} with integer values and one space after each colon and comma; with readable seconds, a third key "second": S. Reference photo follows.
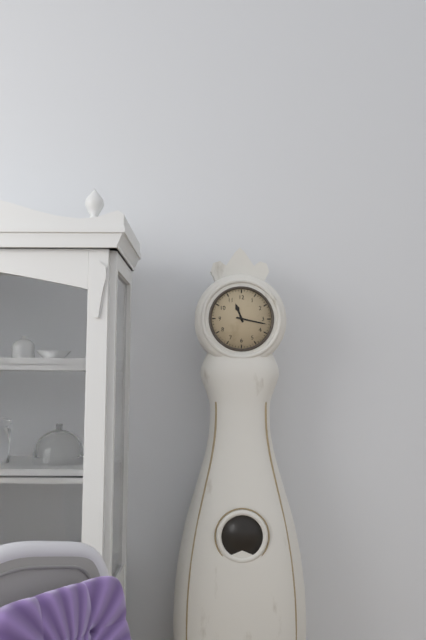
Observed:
{"hour": 11, "minute": 17}
